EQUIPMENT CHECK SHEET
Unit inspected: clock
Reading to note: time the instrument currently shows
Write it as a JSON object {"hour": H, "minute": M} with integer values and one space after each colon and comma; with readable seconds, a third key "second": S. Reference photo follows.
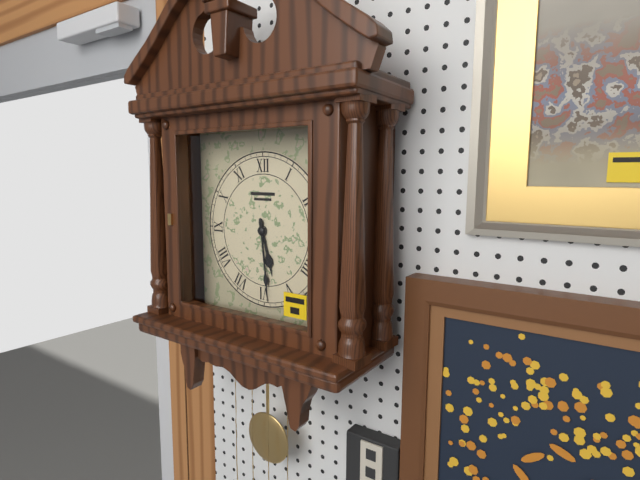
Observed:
{"hour": 5, "minute": 29}
